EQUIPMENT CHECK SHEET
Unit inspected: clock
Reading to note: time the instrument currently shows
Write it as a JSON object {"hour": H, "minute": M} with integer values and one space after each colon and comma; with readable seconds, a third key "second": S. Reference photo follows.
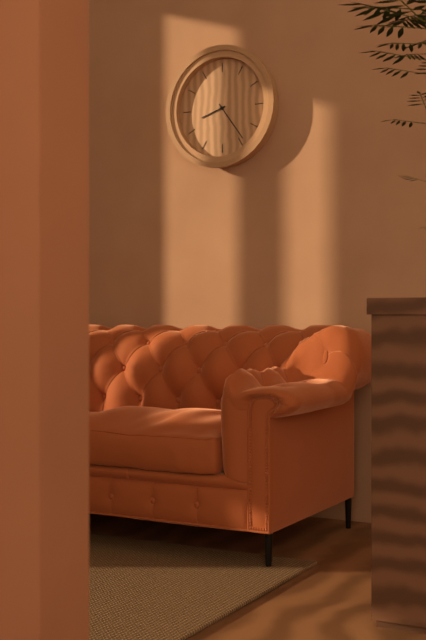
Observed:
{"hour": 8, "minute": 24}
